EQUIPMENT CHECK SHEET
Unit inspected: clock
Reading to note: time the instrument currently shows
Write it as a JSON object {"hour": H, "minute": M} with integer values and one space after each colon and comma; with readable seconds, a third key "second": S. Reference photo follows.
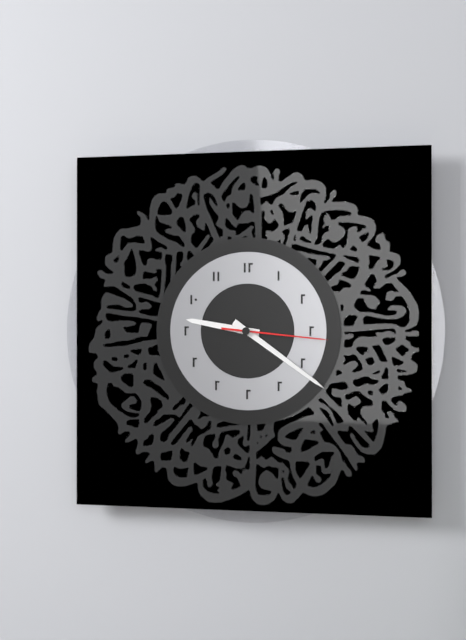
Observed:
{"hour": 9, "minute": 21, "second": 16}
